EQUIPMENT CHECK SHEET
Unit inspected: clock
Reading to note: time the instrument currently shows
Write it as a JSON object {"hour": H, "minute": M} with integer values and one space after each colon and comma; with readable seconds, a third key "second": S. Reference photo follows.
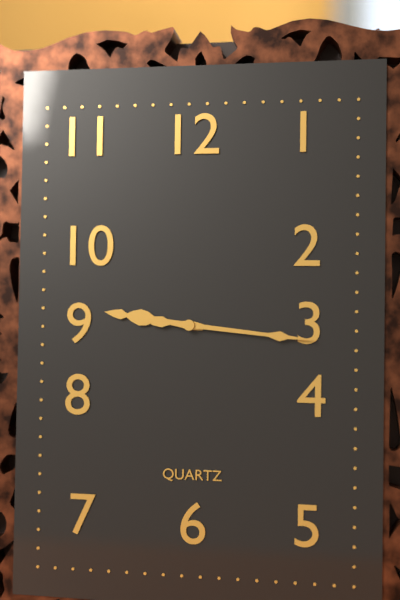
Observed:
{"hour": 9, "minute": 16}
